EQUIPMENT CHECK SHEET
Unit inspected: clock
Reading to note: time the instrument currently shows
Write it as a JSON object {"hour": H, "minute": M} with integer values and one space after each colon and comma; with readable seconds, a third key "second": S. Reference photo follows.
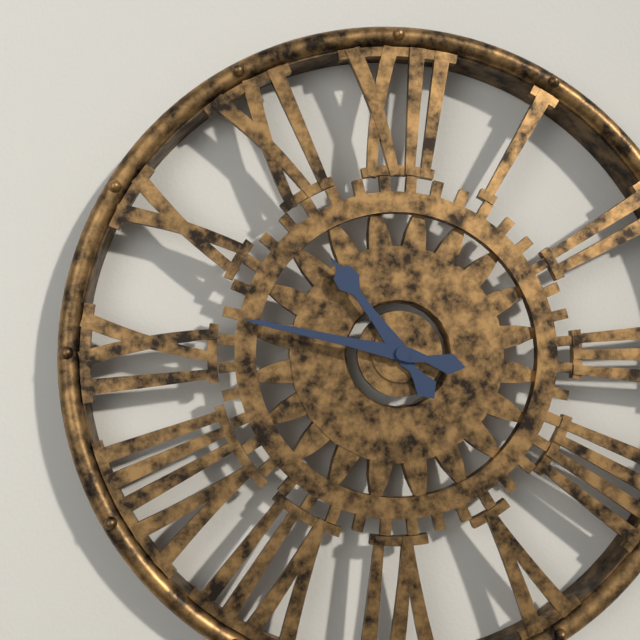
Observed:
{"hour": 10, "minute": 47}
